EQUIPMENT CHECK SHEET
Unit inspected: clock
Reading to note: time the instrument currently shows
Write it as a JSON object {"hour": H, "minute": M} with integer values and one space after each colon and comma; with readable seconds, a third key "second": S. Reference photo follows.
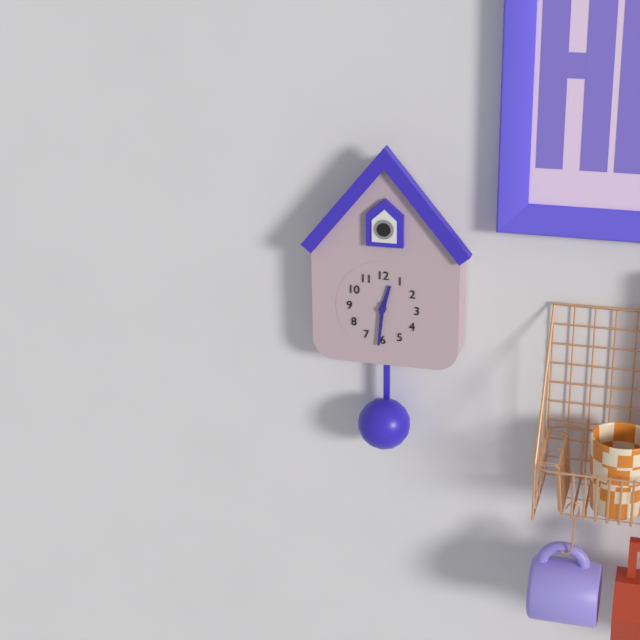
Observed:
{"hour": 12, "minute": 31}
